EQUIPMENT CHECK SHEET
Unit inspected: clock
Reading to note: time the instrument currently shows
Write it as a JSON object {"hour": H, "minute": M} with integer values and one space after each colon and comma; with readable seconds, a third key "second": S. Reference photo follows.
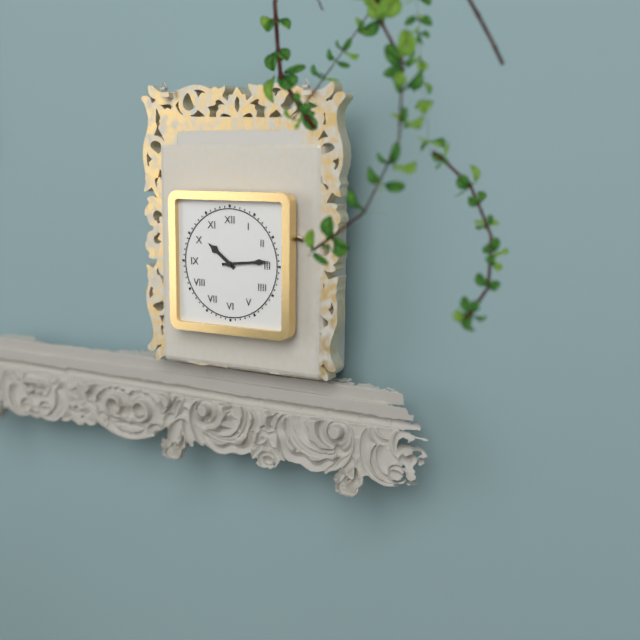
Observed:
{"hour": 10, "minute": 14}
